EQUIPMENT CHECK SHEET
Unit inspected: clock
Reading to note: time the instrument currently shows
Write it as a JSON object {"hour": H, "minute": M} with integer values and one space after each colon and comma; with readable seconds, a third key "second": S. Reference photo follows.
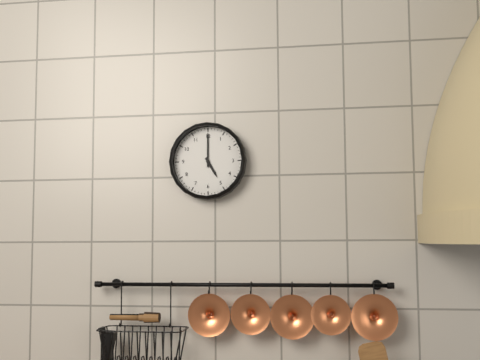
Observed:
{"hour": 5, "minute": 0}
